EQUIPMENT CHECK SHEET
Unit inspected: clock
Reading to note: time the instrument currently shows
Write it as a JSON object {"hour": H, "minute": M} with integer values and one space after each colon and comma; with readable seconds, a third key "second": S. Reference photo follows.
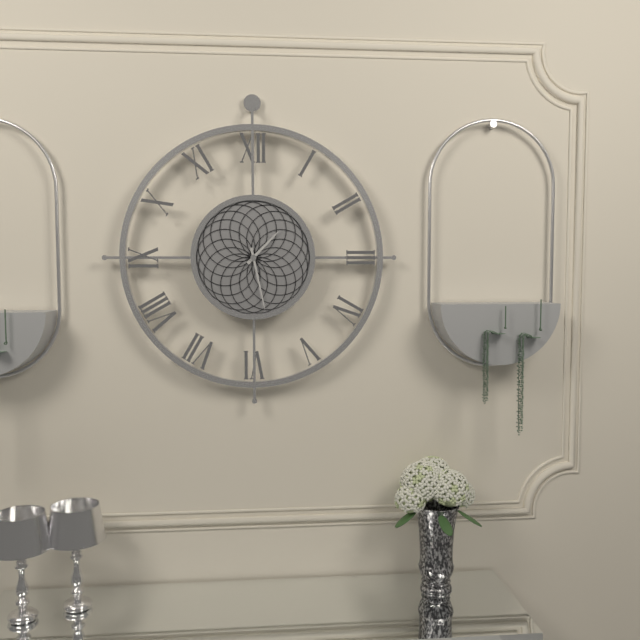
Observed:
{"hour": 1, "minute": 28}
